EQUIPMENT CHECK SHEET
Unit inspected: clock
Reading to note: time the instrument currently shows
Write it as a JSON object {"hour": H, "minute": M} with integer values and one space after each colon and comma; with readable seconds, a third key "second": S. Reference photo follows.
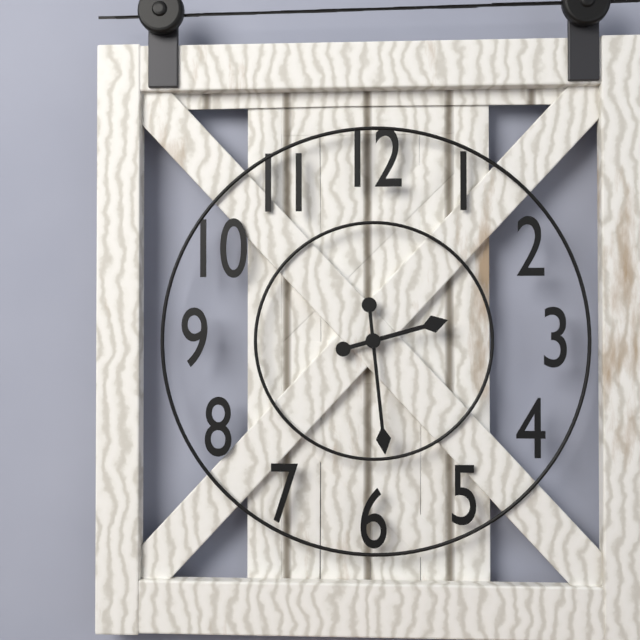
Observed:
{"hour": 2, "minute": 29}
